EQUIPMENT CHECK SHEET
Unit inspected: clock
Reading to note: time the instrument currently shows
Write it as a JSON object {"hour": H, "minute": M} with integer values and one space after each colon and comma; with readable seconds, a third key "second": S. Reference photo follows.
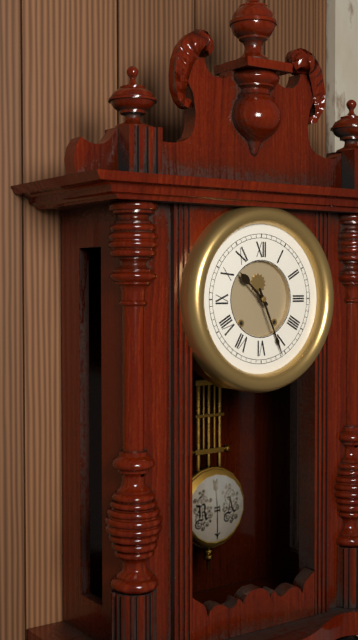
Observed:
{"hour": 10, "minute": 26}
